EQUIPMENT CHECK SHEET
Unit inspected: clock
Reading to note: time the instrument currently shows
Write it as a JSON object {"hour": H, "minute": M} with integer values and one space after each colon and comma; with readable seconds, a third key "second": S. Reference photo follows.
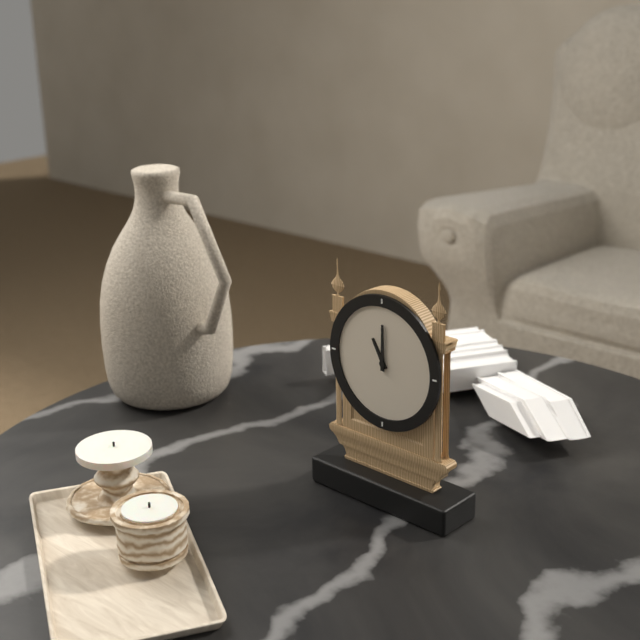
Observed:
{"hour": 11, "minute": 0}
